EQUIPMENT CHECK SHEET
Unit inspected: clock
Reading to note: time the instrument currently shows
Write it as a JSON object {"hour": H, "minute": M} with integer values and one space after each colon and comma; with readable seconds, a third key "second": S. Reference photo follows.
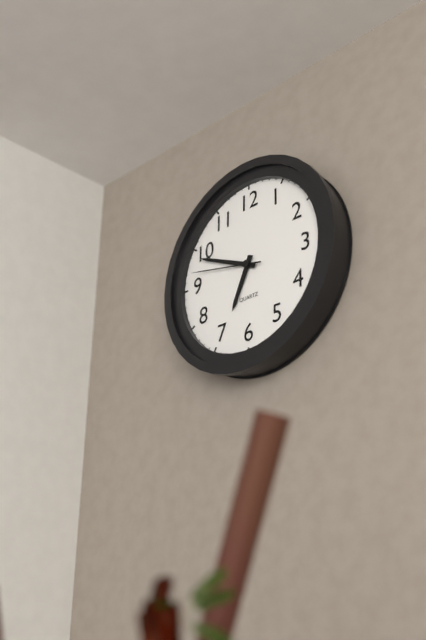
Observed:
{"hour": 6, "minute": 49, "second": 47}
